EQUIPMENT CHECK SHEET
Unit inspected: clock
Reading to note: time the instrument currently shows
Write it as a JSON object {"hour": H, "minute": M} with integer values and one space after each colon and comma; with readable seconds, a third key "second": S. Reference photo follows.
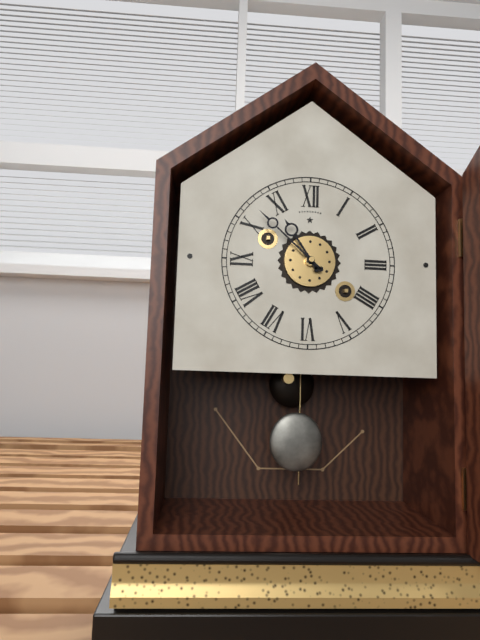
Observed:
{"hour": 10, "minute": 52}
